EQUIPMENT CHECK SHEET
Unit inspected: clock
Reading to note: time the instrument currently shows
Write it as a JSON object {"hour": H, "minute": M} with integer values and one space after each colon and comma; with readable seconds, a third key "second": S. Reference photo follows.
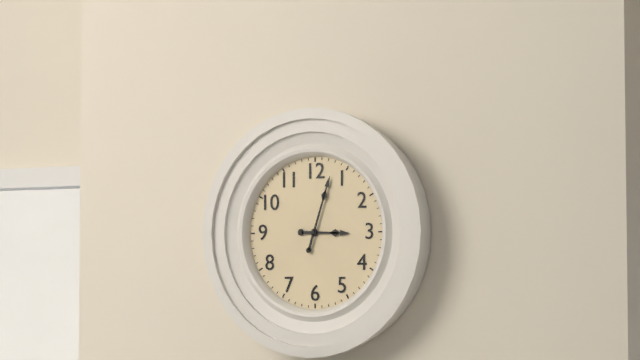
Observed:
{"hour": 3, "minute": 3}
